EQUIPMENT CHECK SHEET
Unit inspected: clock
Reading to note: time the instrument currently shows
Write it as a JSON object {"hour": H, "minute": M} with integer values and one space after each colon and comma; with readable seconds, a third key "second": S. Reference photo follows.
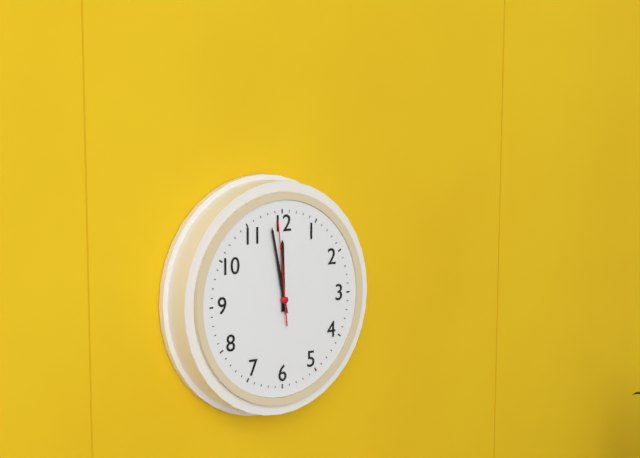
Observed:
{"hour": 11, "minute": 58, "second": 59}
